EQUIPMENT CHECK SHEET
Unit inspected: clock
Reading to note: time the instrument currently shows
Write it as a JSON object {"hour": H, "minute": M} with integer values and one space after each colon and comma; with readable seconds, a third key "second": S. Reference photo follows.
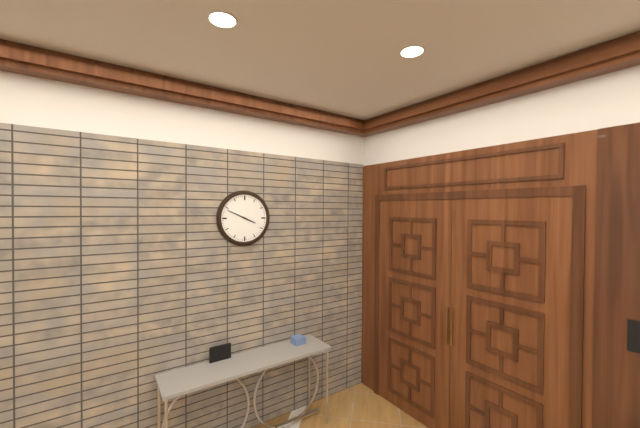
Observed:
{"hour": 3, "minute": 49}
